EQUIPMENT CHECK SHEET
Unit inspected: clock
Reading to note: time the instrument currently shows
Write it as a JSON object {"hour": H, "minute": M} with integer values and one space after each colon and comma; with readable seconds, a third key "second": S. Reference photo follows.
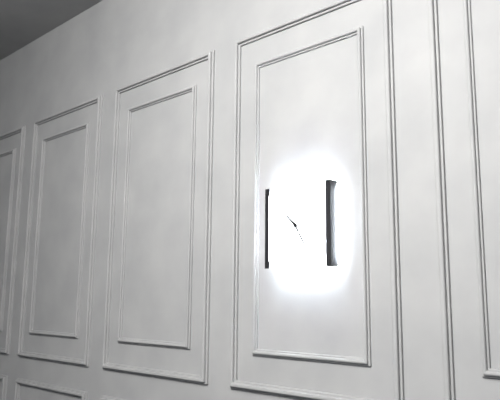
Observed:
{"hour": 10, "minute": 25}
